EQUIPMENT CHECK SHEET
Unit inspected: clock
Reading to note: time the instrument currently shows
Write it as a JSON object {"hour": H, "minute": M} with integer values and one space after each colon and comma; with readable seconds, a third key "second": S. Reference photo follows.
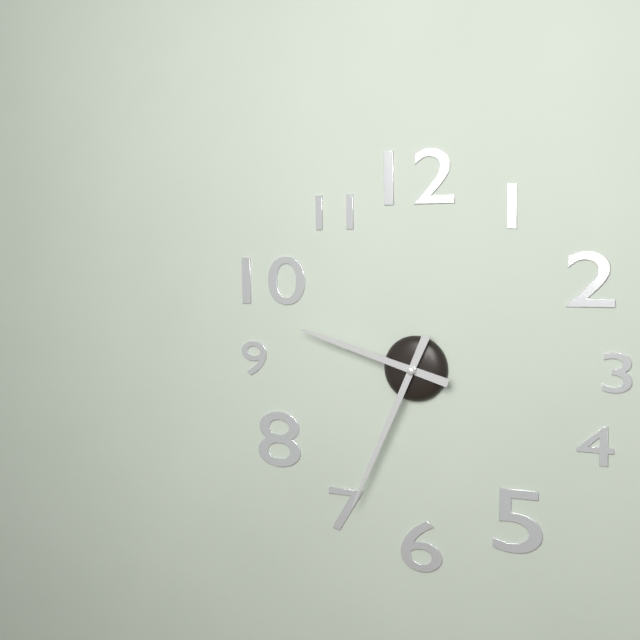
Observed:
{"hour": 9, "minute": 34}
